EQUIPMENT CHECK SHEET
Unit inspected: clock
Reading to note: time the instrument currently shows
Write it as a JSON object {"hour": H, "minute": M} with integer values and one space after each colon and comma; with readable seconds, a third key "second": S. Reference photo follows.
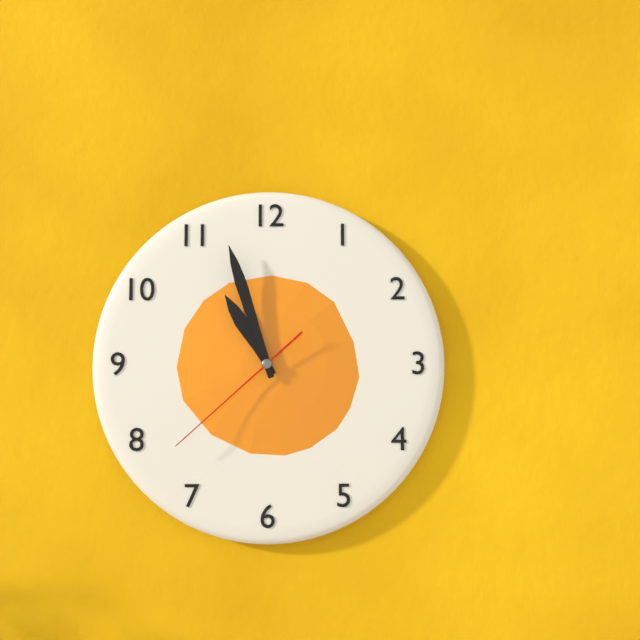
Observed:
{"hour": 10, "minute": 57, "second": 38}
